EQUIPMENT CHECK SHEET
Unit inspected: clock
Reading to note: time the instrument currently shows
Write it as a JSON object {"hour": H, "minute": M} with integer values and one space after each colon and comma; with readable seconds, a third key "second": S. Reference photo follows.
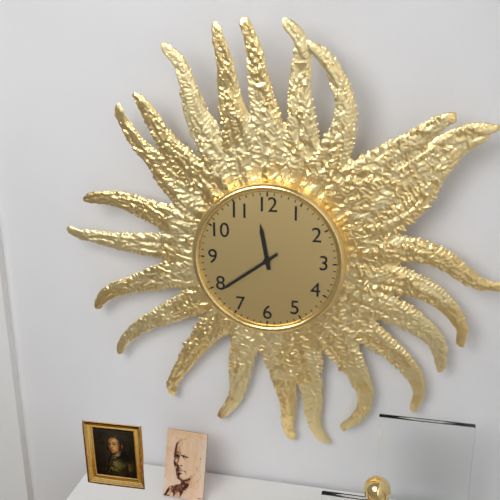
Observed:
{"hour": 11, "minute": 39}
